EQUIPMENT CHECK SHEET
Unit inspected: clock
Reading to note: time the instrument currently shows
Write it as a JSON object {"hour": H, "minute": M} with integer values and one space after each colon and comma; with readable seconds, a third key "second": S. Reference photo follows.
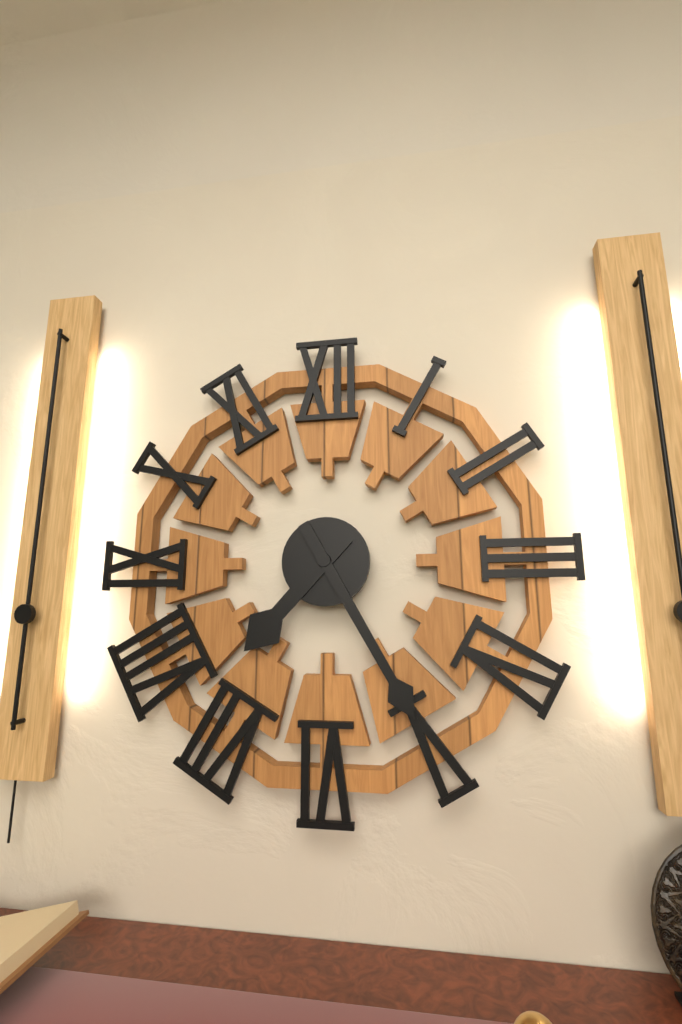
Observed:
{"hour": 7, "minute": 25}
